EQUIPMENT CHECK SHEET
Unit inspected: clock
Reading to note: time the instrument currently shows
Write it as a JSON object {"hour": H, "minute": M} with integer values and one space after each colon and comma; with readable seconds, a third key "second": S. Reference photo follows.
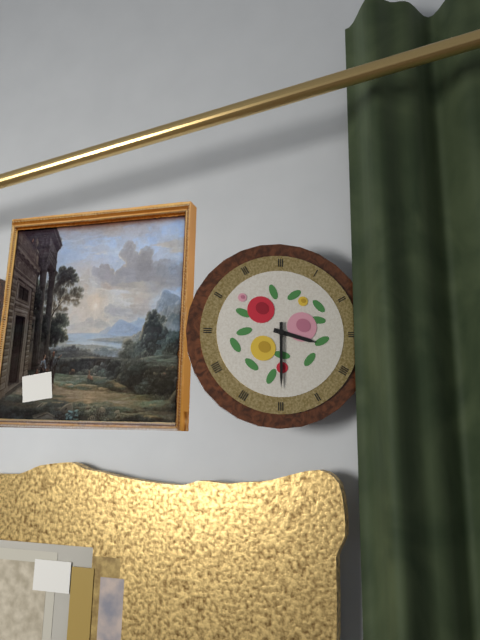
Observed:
{"hour": 3, "minute": 30}
